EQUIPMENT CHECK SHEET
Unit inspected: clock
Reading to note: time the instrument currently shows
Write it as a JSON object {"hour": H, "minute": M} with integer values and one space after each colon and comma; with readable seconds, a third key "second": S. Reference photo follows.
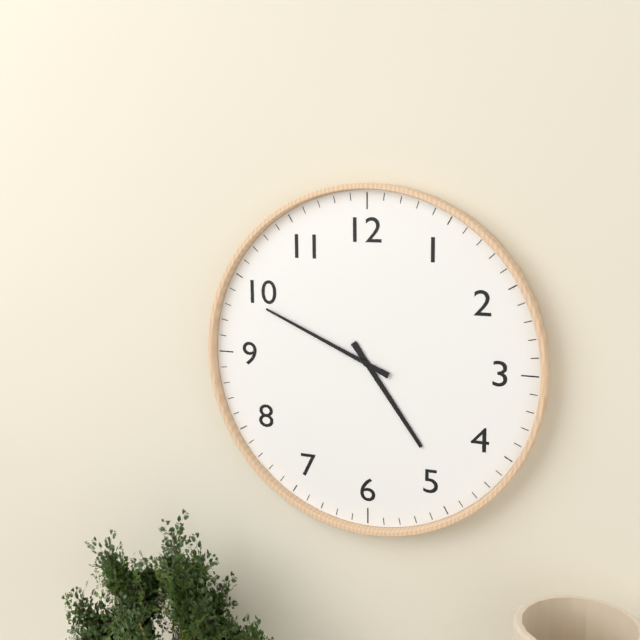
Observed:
{"hour": 4, "minute": 49}
